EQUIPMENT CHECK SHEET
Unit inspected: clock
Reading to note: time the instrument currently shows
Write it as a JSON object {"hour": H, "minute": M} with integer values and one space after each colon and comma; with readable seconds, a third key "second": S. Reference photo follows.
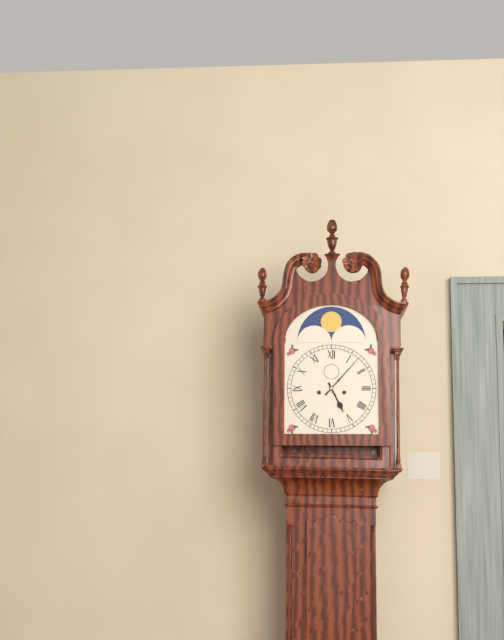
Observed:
{"hour": 5, "minute": 7}
